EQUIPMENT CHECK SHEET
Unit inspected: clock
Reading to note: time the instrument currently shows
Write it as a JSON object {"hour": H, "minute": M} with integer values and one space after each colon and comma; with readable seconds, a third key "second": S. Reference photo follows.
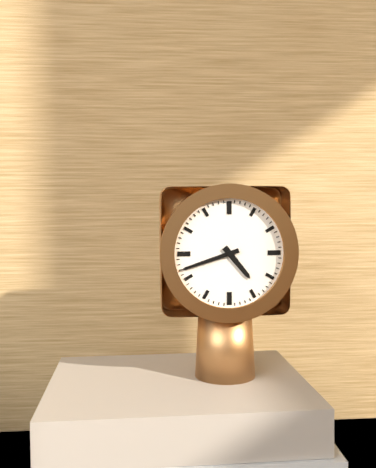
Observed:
{"hour": 4, "minute": 42}
